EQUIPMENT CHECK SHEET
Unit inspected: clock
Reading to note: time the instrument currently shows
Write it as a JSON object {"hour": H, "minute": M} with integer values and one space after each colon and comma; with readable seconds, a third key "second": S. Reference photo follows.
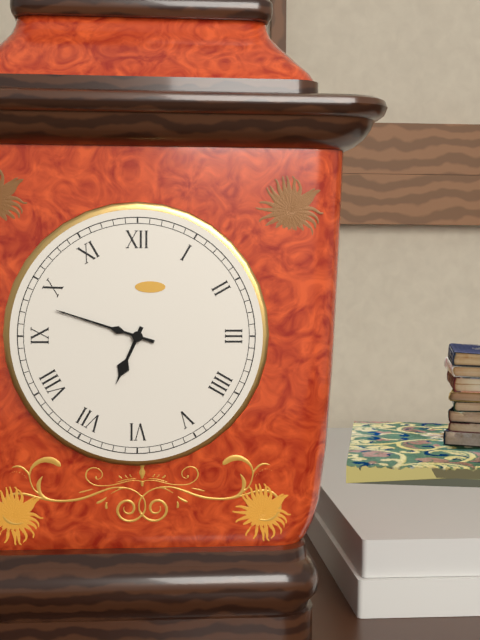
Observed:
{"hour": 6, "minute": 48}
